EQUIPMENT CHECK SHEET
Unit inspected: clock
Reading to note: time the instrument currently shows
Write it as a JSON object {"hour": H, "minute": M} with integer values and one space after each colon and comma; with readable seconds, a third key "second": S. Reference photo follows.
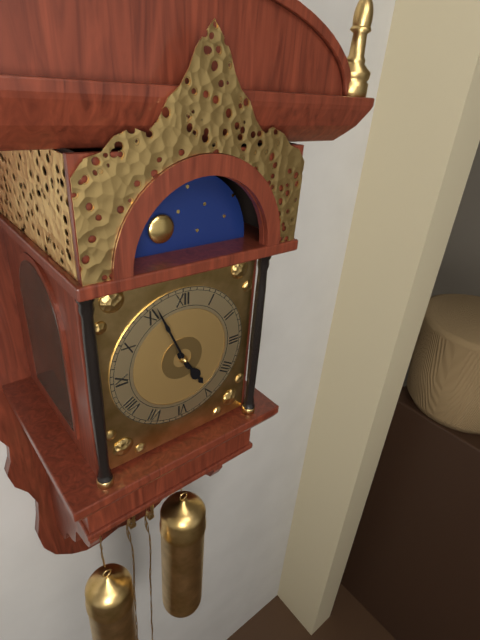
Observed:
{"hour": 4, "minute": 56}
